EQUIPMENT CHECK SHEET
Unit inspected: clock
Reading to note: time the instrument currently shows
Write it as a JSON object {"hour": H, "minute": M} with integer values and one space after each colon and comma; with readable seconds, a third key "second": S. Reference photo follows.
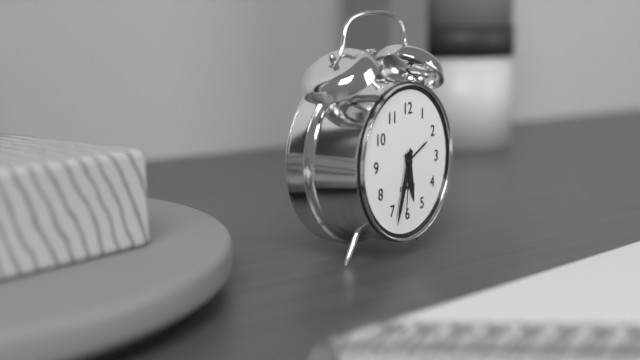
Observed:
{"hour": 5, "minute": 33, "second": 31}
